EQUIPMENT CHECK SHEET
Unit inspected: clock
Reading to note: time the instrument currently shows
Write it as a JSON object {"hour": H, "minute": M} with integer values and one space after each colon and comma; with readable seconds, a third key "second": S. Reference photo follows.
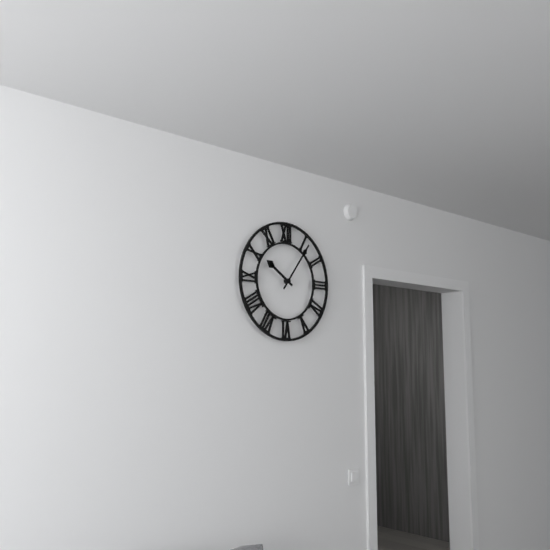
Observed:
{"hour": 10, "minute": 6}
